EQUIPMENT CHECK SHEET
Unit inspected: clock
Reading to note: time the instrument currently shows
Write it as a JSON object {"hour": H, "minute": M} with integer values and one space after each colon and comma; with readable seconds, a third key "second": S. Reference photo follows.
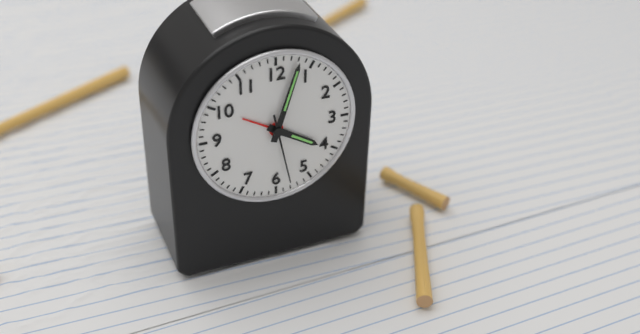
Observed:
{"hour": 4, "minute": 3, "second": 28}
